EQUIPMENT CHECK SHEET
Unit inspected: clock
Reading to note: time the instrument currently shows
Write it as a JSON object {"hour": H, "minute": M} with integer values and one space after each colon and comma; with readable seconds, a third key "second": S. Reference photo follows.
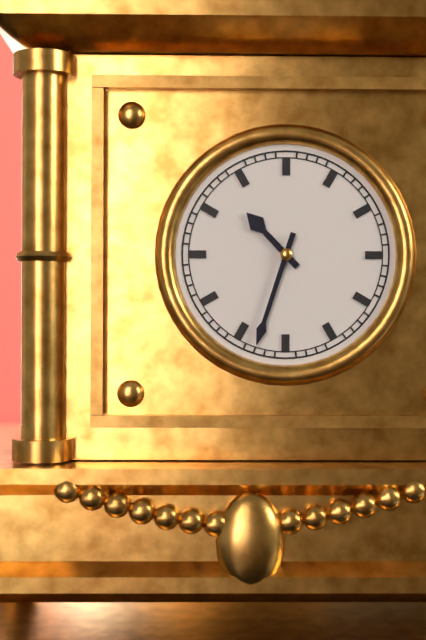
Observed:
{"hour": 10, "minute": 33}
